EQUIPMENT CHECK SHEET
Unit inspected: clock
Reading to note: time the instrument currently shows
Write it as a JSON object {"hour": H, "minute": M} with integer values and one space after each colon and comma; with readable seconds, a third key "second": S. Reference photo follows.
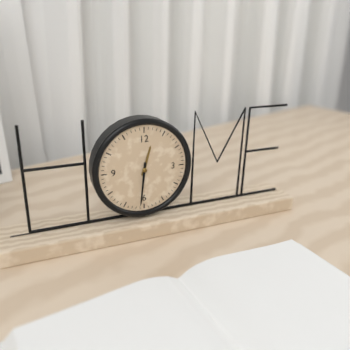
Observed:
{"hour": 12, "minute": 31}
